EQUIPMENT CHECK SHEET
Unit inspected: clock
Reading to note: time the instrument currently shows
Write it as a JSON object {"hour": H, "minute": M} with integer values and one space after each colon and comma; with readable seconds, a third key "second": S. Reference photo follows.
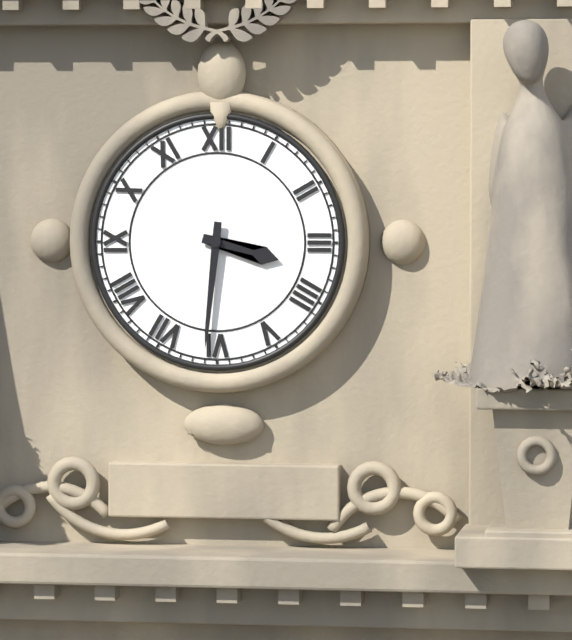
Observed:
{"hour": 3, "minute": 31}
